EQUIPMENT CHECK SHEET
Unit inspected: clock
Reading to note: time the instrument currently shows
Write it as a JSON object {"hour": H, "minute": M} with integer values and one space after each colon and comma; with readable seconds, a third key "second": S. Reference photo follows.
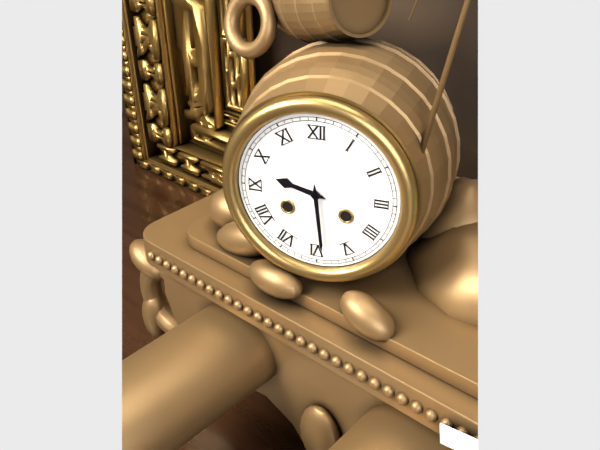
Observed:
{"hour": 9, "minute": 29}
